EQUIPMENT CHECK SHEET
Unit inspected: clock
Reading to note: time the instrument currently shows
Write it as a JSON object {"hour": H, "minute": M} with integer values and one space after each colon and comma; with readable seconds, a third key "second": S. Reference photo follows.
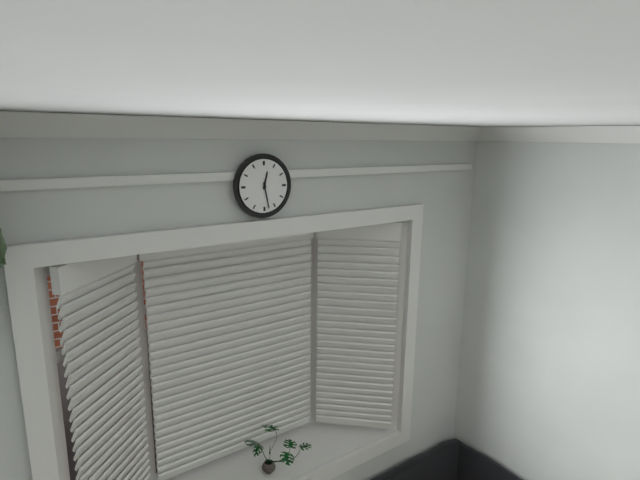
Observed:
{"hour": 12, "minute": 28}
